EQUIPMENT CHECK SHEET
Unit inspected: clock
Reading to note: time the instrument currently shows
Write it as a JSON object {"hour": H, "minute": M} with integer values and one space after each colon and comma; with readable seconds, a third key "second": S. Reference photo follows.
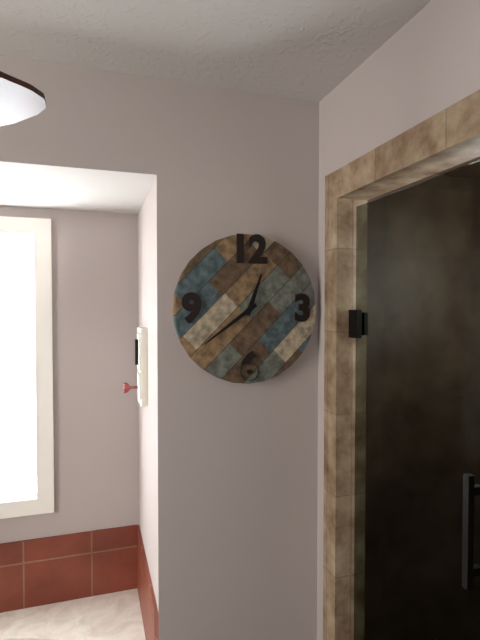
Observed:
{"hour": 12, "minute": 39}
